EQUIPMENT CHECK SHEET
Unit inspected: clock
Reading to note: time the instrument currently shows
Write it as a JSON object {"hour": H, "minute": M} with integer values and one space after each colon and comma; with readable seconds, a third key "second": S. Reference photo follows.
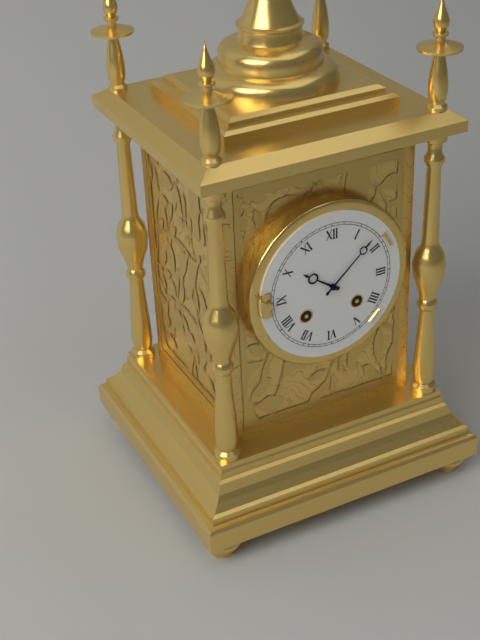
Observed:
{"hour": 10, "minute": 8}
